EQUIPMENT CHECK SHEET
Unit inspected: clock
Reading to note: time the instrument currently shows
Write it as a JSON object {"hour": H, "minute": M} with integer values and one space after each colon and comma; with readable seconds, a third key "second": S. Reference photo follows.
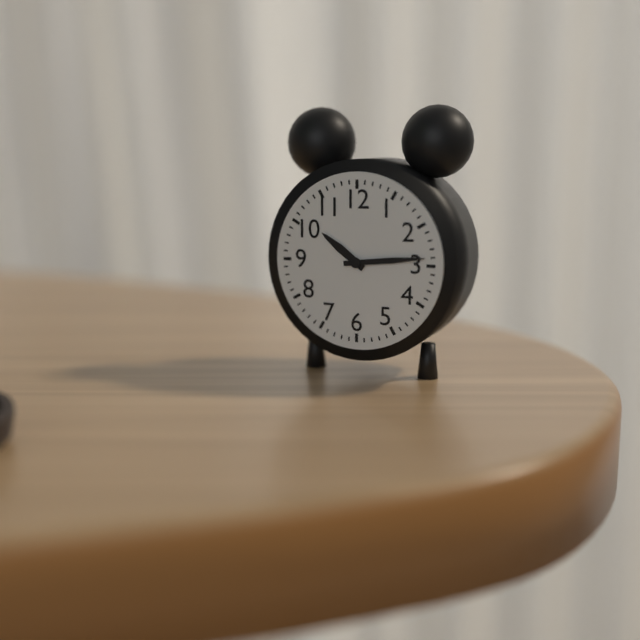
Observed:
{"hour": 10, "minute": 14}
